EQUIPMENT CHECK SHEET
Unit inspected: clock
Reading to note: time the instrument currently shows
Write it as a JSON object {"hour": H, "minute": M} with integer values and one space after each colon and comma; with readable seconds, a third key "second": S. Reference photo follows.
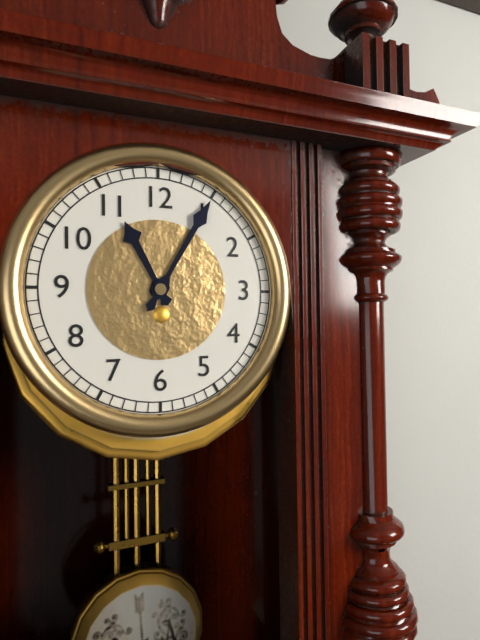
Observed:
{"hour": 11, "minute": 5}
